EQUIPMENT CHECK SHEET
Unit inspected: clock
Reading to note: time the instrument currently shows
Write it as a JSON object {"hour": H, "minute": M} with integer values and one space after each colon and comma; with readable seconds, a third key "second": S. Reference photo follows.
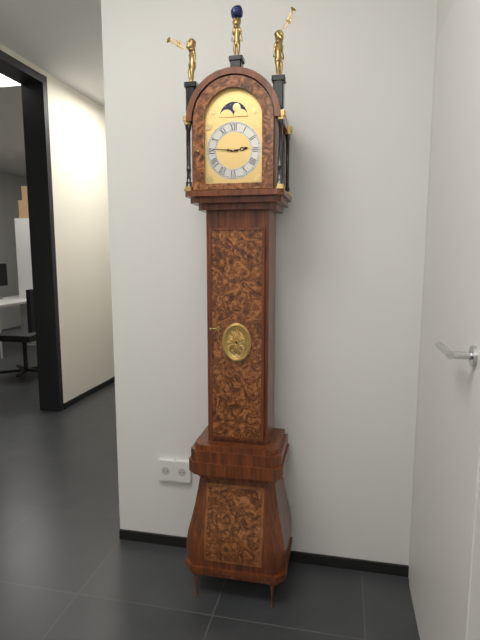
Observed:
{"hour": 2, "minute": 46}
